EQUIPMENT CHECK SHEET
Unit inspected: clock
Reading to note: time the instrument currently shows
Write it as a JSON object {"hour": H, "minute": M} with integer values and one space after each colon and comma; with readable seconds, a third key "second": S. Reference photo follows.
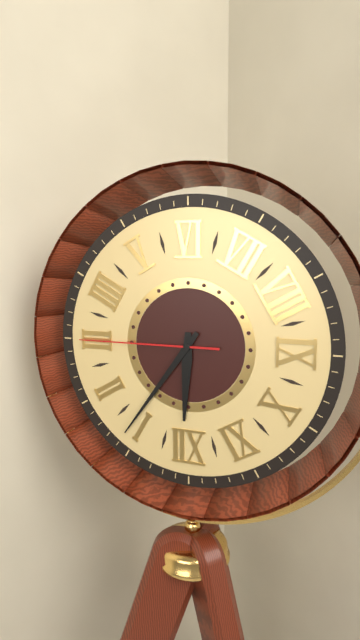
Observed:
{"hour": 12, "minute": 6, "second": 15}
